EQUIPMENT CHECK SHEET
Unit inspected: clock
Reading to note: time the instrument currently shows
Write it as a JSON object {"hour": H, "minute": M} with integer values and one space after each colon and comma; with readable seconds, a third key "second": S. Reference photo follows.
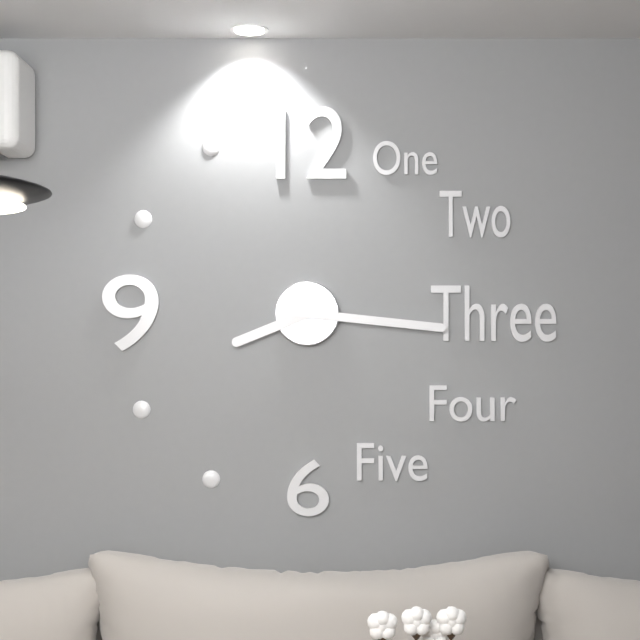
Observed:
{"hour": 8, "minute": 16}
